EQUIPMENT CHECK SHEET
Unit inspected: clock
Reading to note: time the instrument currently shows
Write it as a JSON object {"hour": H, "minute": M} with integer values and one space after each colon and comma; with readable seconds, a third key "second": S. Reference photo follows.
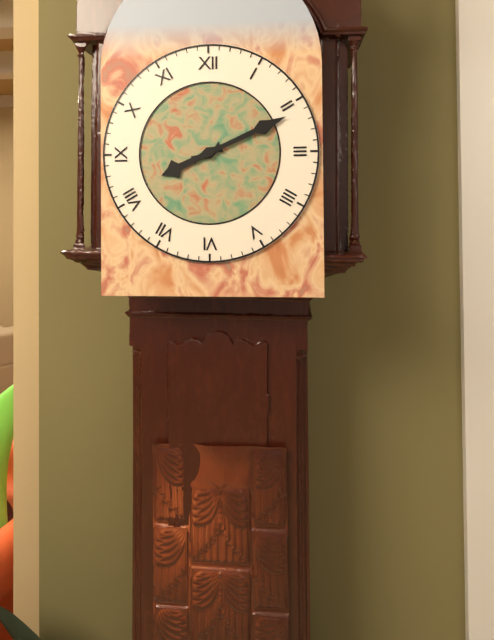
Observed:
{"hour": 8, "minute": 11}
